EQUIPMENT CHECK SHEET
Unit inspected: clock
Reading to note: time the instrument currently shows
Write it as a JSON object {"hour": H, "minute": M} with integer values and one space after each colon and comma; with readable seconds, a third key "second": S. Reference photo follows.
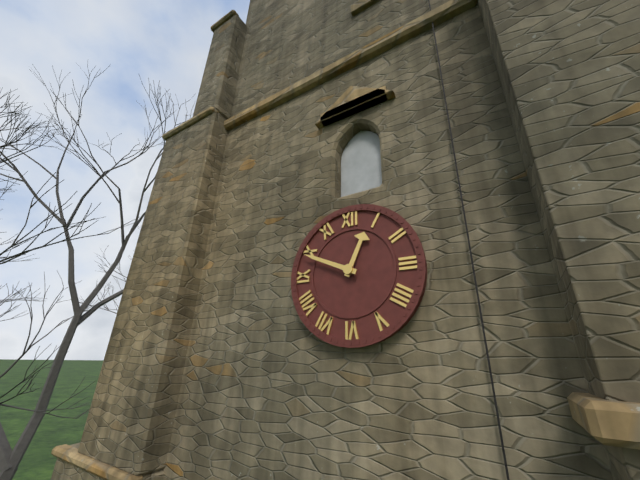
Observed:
{"hour": 12, "minute": 49}
